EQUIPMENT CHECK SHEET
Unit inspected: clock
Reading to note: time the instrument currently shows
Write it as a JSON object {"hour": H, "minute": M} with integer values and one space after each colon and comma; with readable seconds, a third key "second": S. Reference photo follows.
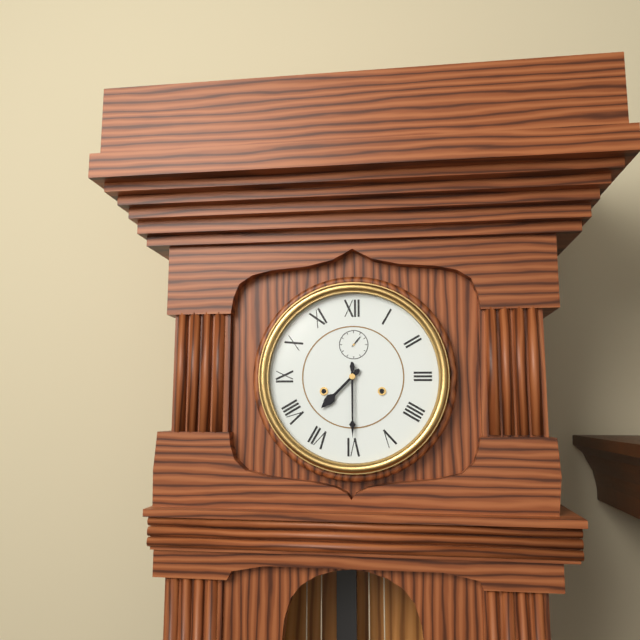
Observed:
{"hour": 7, "minute": 30}
